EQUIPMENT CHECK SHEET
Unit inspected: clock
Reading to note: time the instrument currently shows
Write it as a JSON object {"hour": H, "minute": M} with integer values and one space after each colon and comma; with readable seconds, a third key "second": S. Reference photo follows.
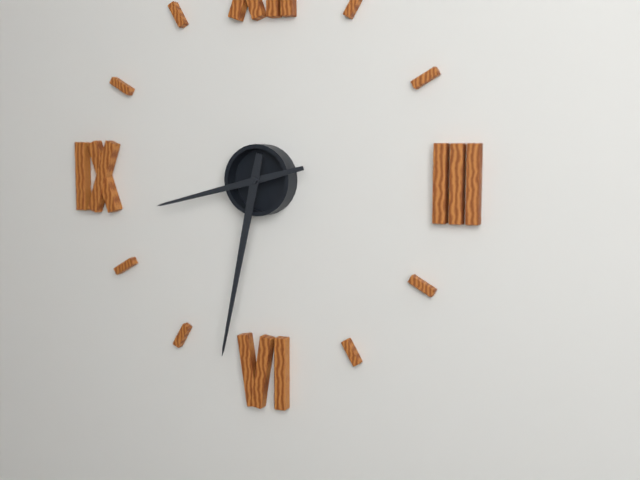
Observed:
{"hour": 8, "minute": 32}
